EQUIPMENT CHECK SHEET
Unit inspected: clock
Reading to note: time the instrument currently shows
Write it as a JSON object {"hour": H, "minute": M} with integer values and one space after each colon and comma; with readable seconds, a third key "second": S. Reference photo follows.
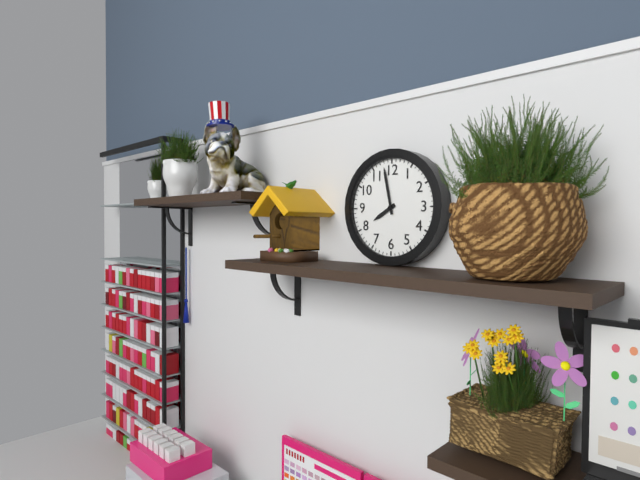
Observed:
{"hour": 7, "minute": 58}
